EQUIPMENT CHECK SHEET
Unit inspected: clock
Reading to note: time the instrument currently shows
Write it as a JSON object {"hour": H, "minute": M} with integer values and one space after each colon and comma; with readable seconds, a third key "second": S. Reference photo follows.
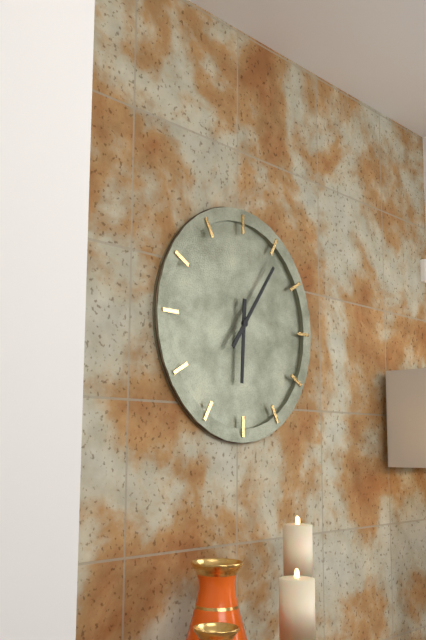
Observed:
{"hour": 6, "minute": 6}
